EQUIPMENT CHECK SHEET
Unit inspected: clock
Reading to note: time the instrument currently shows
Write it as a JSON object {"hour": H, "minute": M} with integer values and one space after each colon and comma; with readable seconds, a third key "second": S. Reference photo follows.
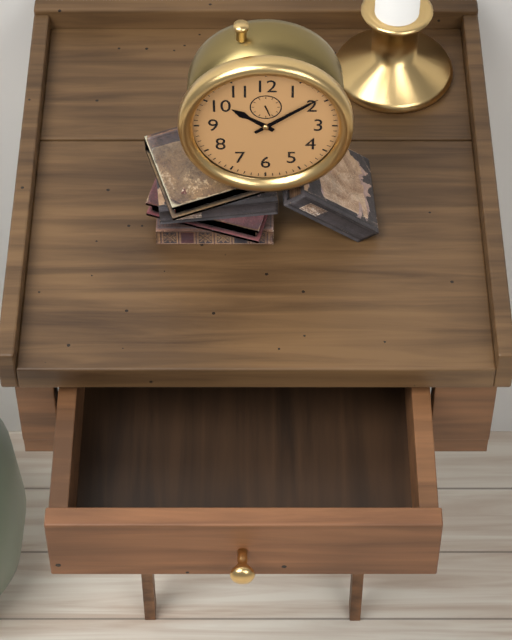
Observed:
{"hour": 10, "minute": 9}
